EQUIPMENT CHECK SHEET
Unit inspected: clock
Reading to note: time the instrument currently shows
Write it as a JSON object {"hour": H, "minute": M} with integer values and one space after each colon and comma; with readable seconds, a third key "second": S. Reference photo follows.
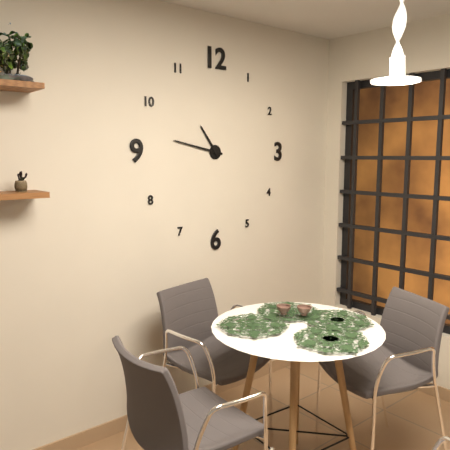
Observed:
{"hour": 10, "minute": 47}
